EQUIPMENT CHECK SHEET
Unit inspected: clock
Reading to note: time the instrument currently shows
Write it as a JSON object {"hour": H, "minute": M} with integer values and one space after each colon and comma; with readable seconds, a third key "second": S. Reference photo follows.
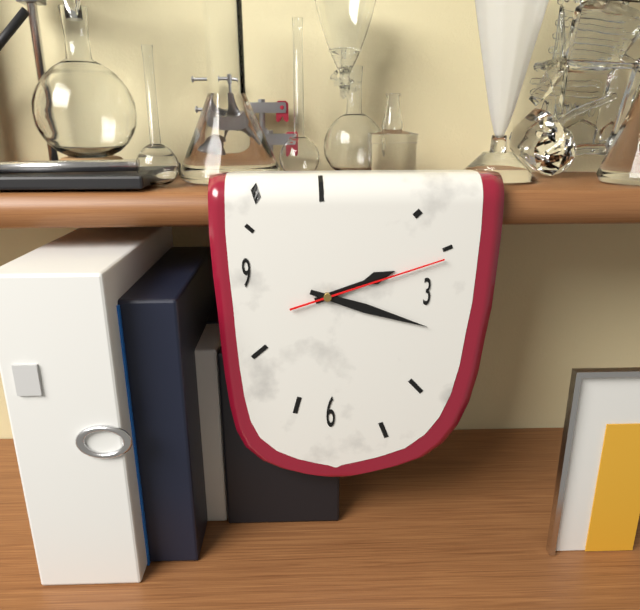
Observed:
{"hour": 2, "minute": 18, "second": 12}
